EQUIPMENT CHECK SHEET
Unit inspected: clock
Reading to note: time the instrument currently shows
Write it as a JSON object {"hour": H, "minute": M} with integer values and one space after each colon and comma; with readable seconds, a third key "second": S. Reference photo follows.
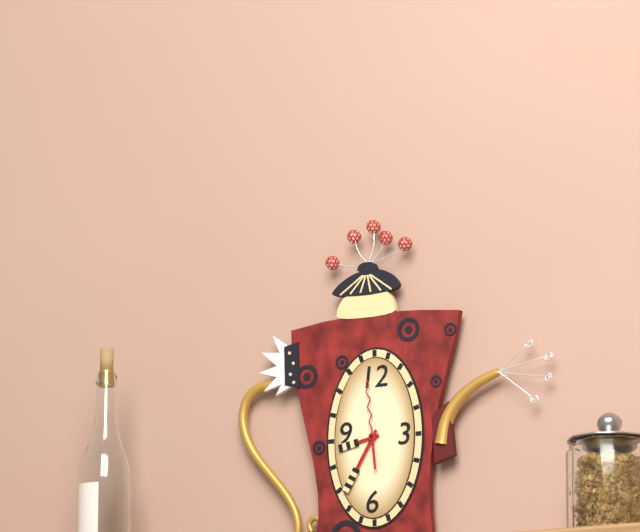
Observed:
{"hour": 8, "minute": 35, "second": 59}
